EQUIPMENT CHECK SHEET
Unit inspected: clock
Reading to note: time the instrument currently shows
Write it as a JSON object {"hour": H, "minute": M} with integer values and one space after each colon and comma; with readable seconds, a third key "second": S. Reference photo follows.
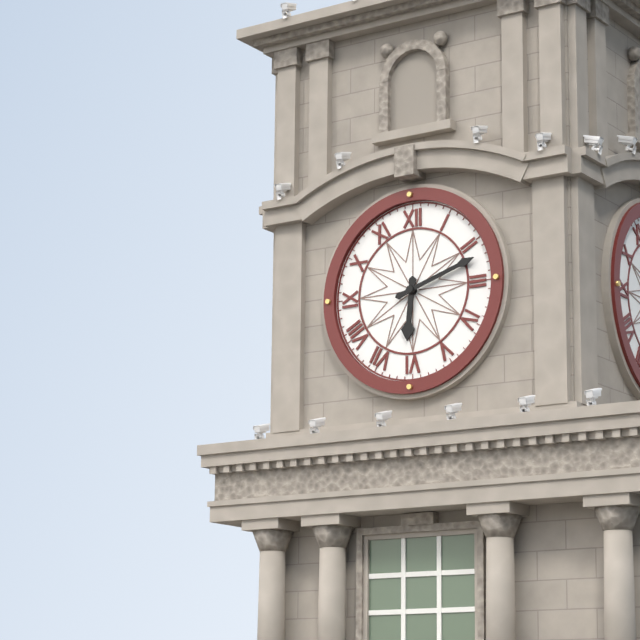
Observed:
{"hour": 6, "minute": 12}
